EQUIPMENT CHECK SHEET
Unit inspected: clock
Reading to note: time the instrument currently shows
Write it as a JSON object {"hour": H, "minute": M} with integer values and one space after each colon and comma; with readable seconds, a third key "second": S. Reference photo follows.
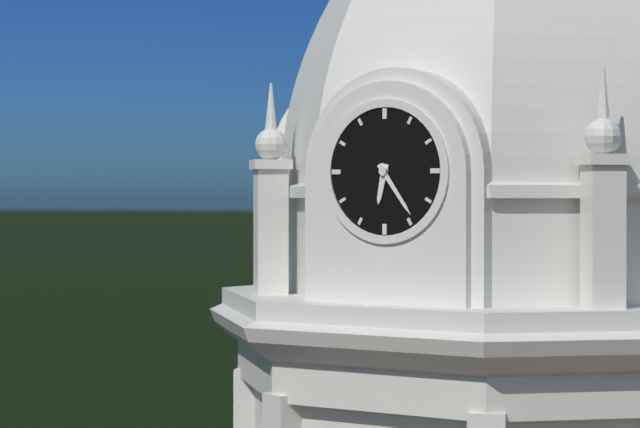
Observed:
{"hour": 6, "minute": 24}
